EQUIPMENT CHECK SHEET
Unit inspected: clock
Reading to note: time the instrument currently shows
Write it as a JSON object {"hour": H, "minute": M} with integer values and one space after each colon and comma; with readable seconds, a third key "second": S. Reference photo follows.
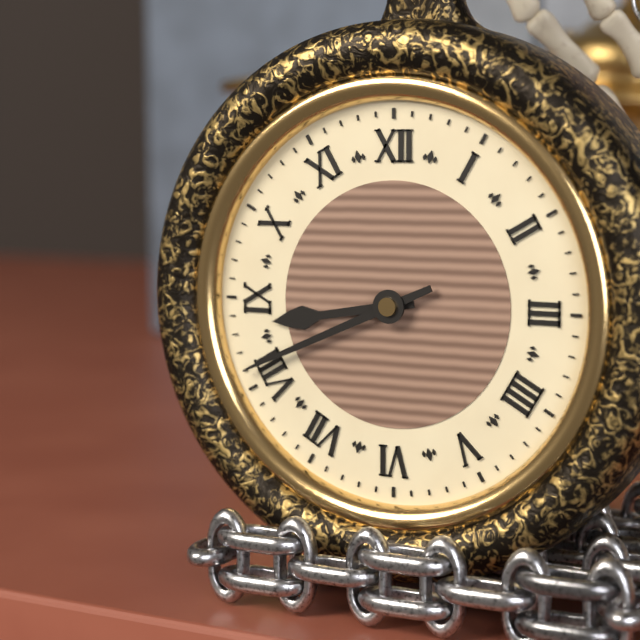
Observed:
{"hour": 8, "minute": 41}
